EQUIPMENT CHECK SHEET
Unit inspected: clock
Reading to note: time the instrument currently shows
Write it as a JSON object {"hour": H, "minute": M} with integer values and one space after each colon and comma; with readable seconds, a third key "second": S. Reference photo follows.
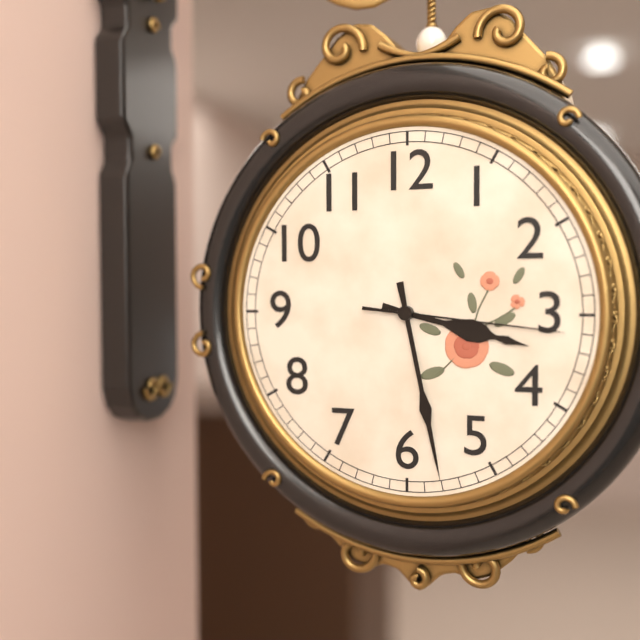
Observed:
{"hour": 3, "minute": 28, "second": 16}
